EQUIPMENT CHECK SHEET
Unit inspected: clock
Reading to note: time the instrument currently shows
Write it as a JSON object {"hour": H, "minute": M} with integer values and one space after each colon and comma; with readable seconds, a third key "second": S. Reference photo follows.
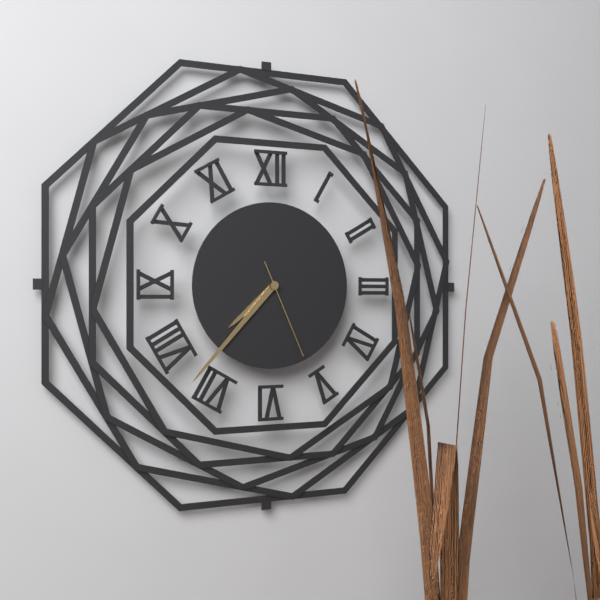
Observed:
{"hour": 7, "minute": 37, "second": 26}
